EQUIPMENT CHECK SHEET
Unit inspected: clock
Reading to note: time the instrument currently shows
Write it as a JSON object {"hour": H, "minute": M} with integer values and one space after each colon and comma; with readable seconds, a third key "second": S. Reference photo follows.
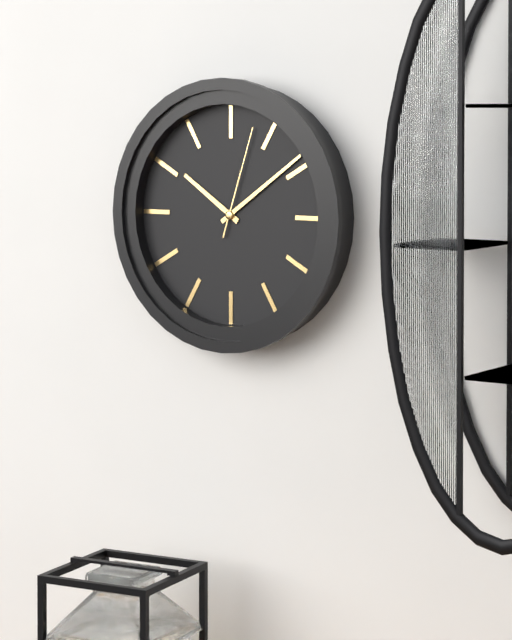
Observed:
{"hour": 10, "minute": 9, "second": 3}
